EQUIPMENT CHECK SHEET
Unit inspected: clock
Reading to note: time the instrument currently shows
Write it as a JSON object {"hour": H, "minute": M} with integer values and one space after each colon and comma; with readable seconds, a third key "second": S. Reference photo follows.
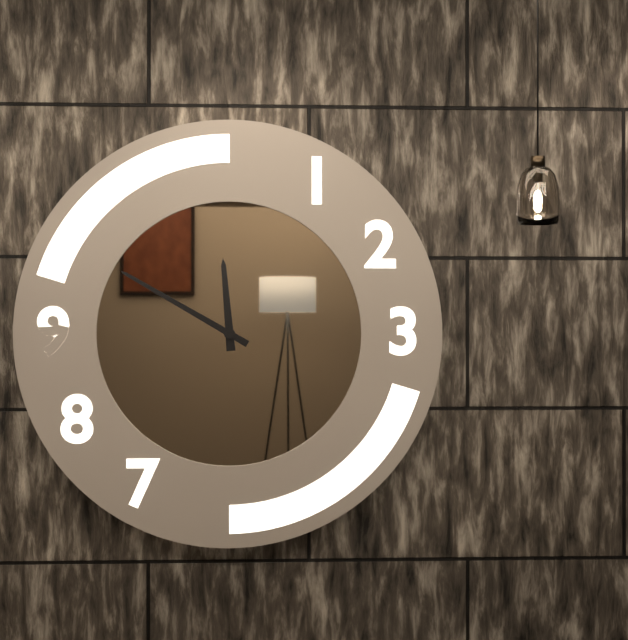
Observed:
{"hour": 11, "minute": 50}
